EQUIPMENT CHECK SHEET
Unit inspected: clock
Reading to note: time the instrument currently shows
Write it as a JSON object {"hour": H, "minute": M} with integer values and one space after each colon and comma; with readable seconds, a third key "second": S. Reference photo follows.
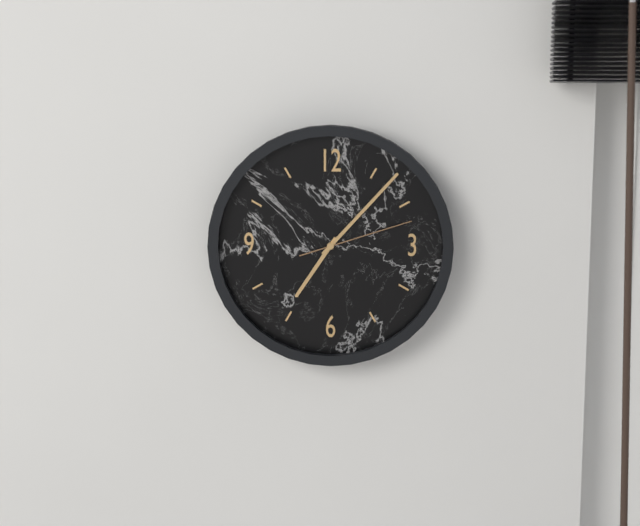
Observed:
{"hour": 7, "minute": 7, "second": 12}
